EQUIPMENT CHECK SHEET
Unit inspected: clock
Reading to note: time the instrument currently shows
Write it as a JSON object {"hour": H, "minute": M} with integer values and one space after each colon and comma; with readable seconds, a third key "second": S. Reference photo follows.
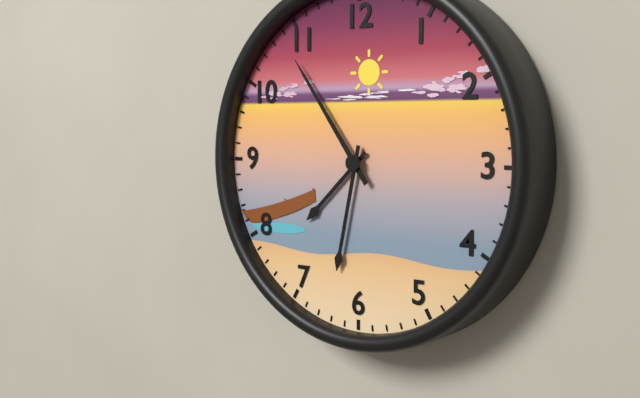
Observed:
{"hour": 7, "minute": 32, "second": 54}
